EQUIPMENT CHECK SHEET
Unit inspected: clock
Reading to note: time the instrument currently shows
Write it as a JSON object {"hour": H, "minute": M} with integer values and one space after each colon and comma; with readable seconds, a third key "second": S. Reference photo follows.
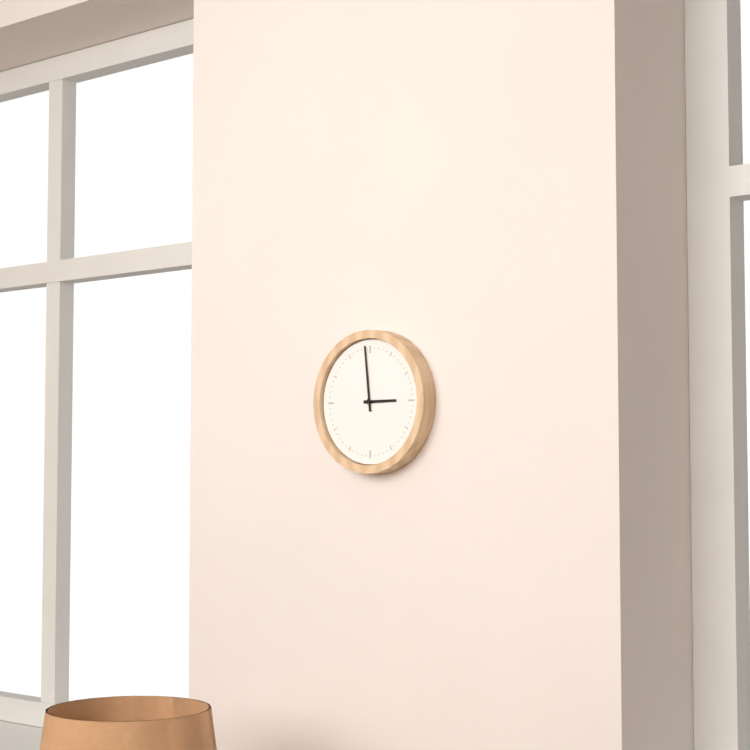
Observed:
{"hour": 2, "minute": 59}
